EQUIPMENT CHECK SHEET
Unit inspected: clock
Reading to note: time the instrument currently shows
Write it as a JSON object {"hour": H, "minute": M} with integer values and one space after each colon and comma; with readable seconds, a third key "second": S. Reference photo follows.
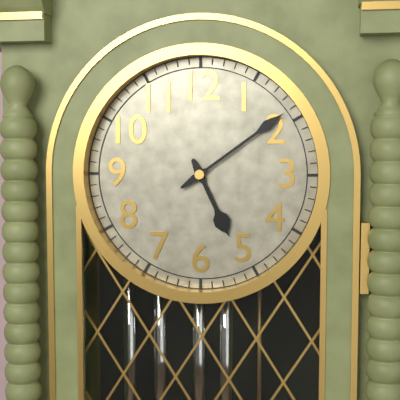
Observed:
{"hour": 5, "minute": 9}
